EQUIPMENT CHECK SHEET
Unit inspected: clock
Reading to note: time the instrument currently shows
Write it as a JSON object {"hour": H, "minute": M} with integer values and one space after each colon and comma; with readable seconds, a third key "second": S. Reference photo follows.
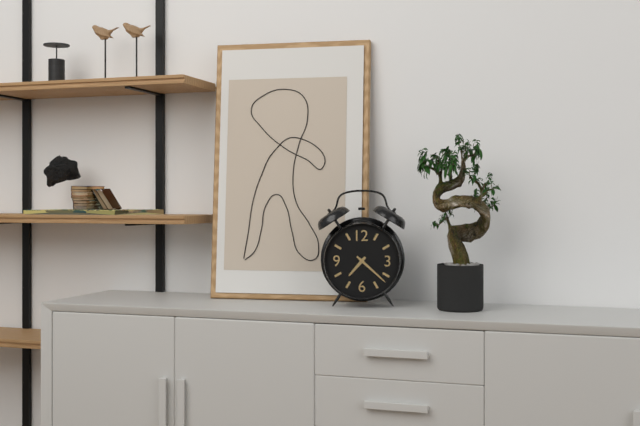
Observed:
{"hour": 7, "minute": 22}
